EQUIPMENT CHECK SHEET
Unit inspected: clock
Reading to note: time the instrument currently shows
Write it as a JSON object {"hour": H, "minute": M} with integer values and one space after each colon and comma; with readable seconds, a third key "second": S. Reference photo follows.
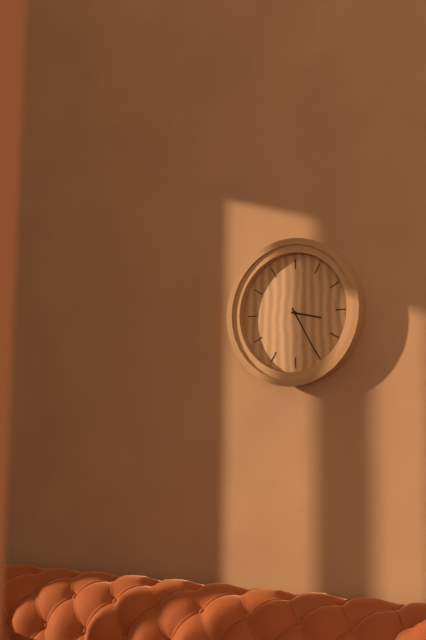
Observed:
{"hour": 3, "minute": 25}
